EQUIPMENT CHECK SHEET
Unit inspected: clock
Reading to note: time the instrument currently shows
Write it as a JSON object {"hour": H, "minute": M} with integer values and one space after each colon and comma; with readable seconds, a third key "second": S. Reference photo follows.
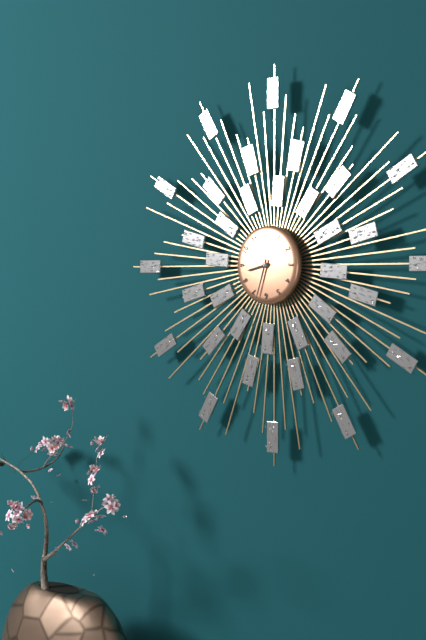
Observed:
{"hour": 8, "minute": 33}
